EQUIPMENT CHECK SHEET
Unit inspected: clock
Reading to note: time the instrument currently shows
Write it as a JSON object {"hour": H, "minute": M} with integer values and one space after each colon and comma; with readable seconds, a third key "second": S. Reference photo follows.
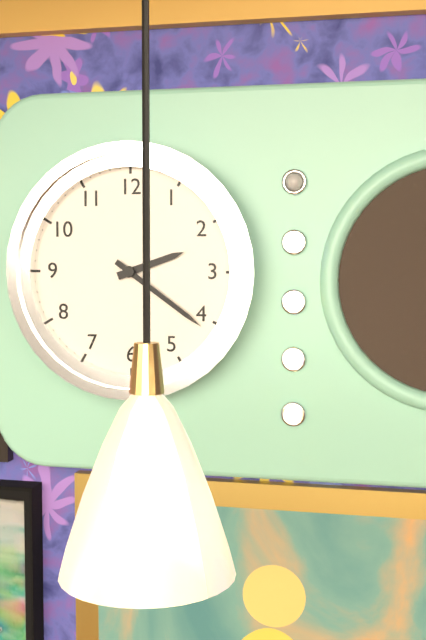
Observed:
{"hour": 2, "minute": 21}
